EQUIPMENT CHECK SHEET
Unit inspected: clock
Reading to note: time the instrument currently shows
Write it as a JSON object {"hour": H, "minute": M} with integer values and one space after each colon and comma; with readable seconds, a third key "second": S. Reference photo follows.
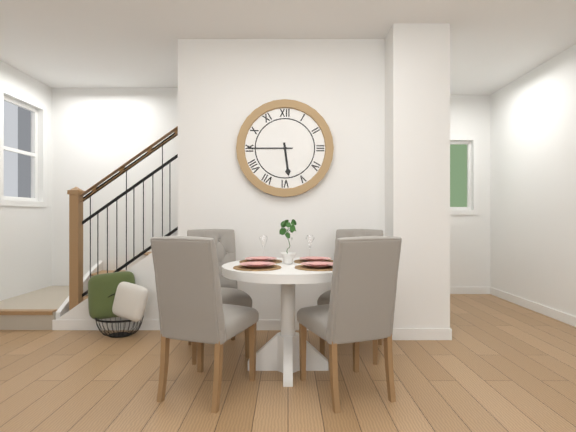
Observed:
{"hour": 5, "minute": 45}
